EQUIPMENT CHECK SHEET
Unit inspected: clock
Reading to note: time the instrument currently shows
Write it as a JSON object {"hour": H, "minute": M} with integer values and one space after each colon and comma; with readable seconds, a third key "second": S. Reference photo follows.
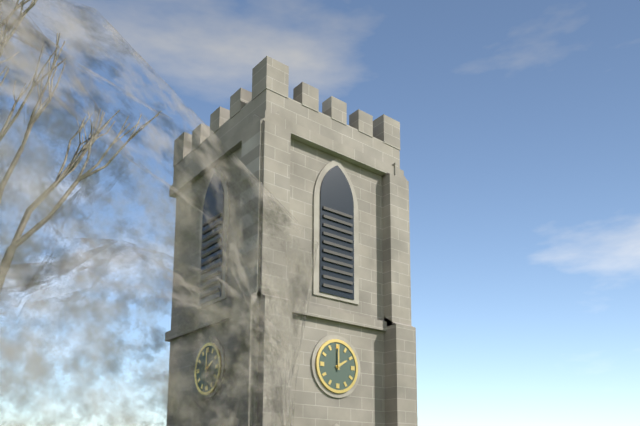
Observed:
{"hour": 2, "minute": 0}
